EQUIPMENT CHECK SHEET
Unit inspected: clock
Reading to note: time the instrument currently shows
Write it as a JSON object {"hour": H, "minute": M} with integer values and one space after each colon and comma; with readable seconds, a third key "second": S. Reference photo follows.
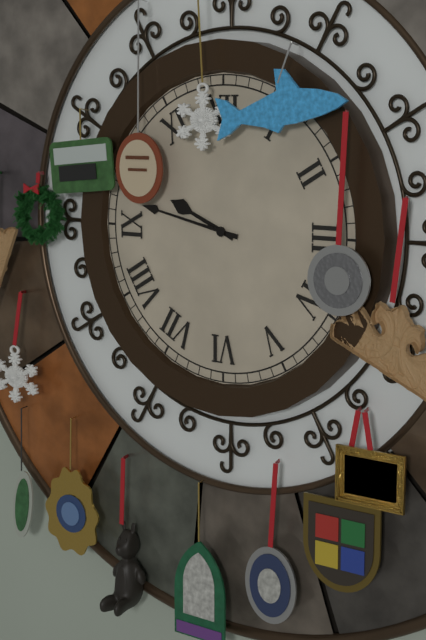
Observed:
{"hour": 9, "minute": 47}
